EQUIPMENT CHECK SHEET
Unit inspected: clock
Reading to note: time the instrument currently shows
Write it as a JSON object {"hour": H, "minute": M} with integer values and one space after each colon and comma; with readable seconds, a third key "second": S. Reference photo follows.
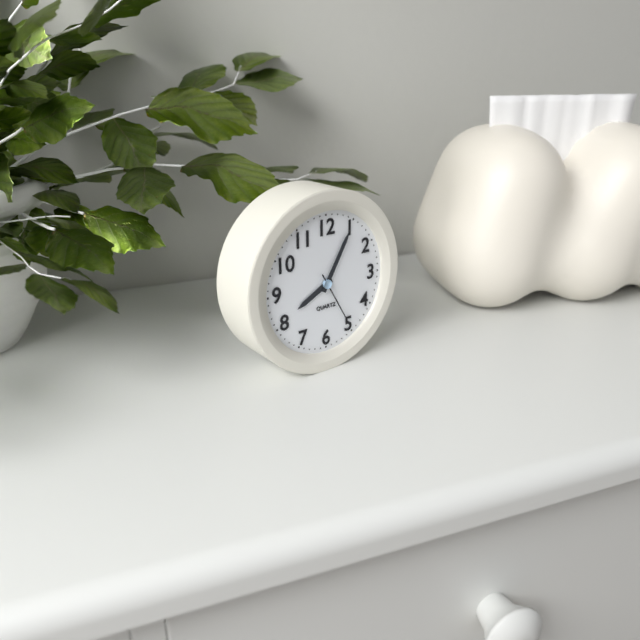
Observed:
{"hour": 8, "minute": 5, "second": 25}
